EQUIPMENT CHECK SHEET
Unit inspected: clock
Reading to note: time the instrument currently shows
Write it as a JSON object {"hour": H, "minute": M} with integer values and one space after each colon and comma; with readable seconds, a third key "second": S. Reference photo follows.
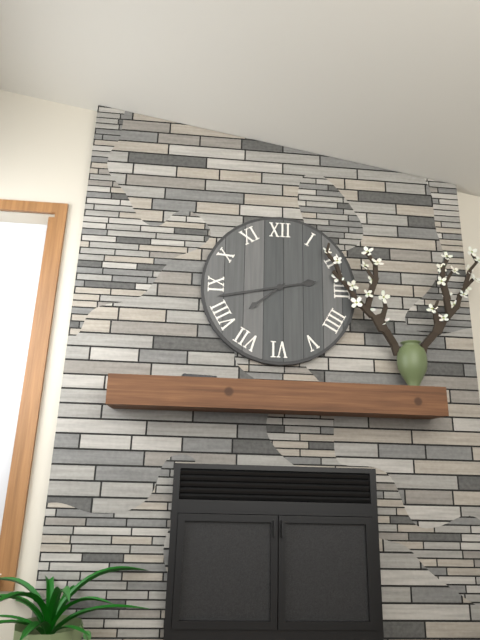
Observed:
{"hour": 7, "minute": 43}
